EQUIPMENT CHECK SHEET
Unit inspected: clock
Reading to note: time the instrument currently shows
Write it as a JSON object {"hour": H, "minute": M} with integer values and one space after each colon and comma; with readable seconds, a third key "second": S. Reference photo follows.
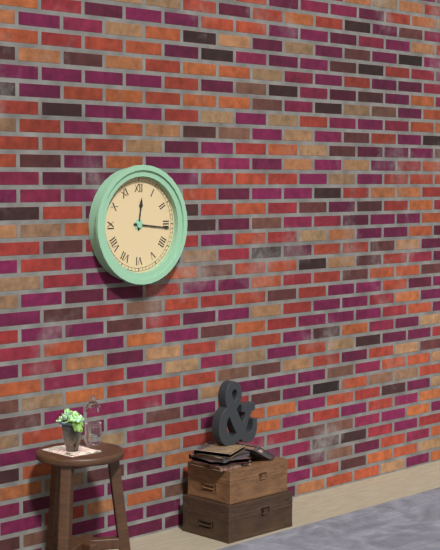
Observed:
{"hour": 12, "minute": 16}
